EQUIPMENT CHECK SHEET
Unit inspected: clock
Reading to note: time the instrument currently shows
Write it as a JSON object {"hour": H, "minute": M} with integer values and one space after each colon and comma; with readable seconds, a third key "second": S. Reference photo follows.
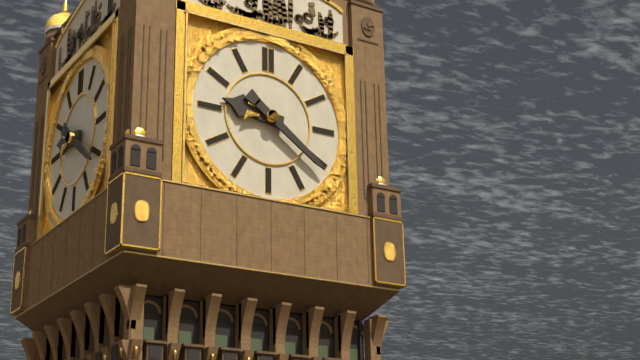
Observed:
{"hour": 9, "minute": 21}
